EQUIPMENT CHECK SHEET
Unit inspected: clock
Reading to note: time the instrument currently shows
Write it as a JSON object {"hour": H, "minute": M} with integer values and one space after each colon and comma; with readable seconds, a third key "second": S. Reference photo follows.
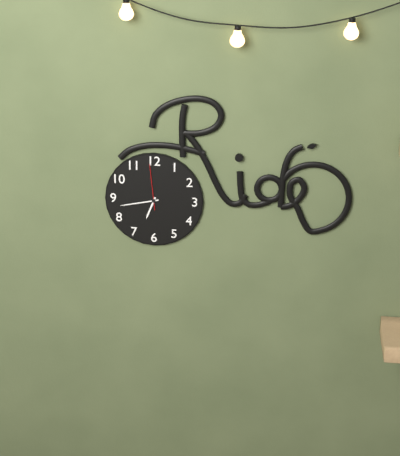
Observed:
{"hour": 6, "minute": 43}
